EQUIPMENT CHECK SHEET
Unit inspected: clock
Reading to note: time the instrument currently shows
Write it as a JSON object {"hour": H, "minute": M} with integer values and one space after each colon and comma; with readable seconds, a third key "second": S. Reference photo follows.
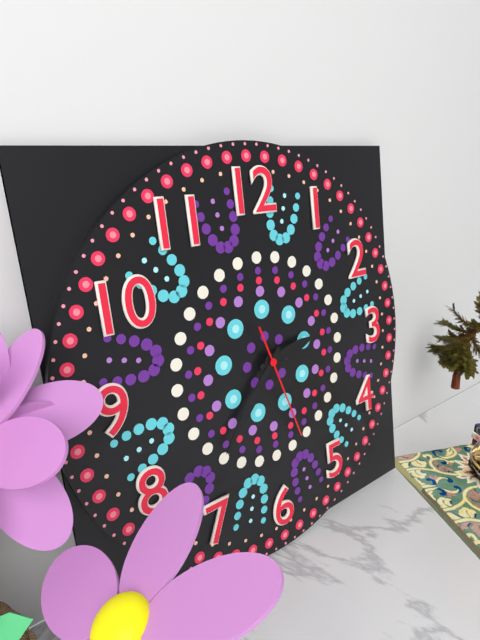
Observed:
{"hour": 2, "minute": 37, "second": 27}
